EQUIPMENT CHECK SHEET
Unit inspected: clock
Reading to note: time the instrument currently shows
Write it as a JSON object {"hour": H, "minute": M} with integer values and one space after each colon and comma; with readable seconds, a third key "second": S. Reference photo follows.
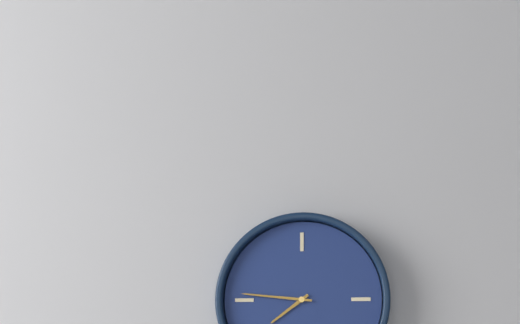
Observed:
{"hour": 7, "minute": 46}
